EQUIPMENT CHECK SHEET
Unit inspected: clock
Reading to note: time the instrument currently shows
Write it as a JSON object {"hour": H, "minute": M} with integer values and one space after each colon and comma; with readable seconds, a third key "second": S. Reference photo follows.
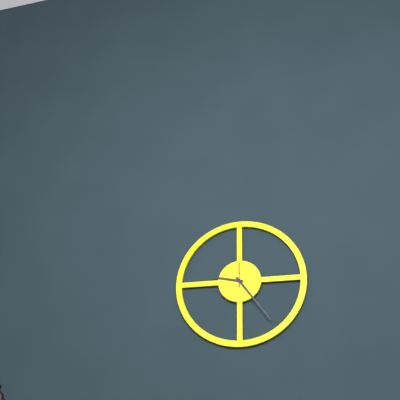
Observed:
{"hour": 9, "minute": 24}
